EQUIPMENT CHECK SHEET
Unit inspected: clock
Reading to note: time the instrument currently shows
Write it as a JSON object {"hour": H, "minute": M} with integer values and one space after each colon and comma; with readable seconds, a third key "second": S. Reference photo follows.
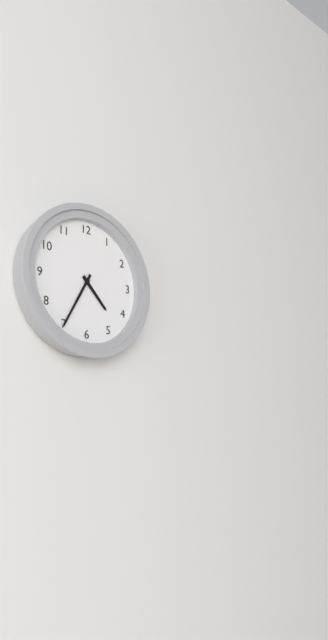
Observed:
{"hour": 4, "minute": 35}
